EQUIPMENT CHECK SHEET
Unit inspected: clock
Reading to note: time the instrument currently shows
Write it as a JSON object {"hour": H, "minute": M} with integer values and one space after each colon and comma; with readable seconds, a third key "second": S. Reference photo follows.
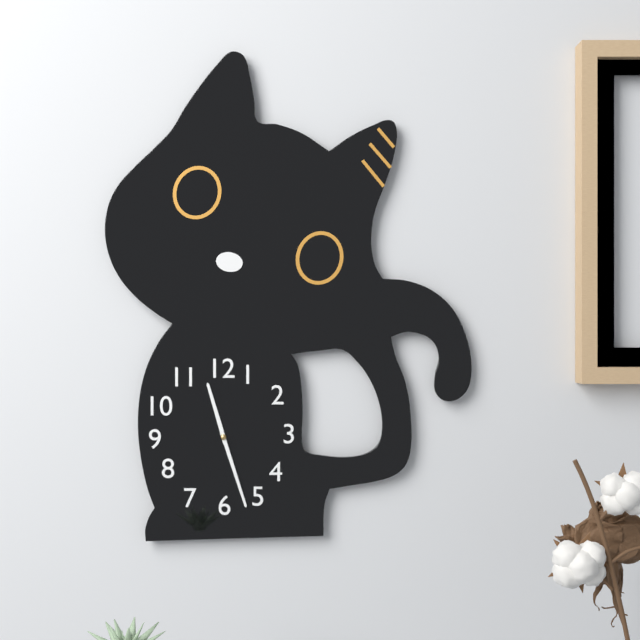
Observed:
{"hour": 11, "minute": 27}
